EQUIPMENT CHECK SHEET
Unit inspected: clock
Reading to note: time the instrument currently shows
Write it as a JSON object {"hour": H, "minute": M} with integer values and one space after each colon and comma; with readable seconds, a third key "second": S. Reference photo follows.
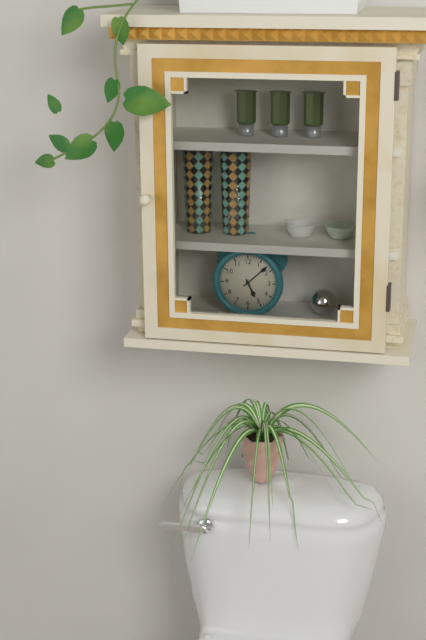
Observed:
{"hour": 5, "minute": 8}
